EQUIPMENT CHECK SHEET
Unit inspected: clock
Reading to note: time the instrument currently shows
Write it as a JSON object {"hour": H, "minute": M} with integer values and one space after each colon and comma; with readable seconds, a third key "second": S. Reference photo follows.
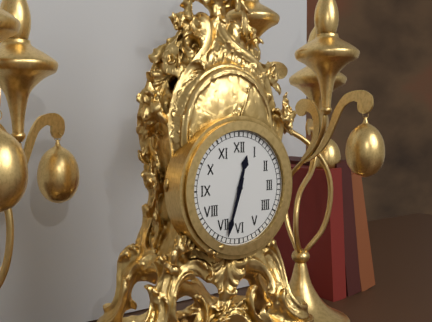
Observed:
{"hour": 12, "minute": 33}
